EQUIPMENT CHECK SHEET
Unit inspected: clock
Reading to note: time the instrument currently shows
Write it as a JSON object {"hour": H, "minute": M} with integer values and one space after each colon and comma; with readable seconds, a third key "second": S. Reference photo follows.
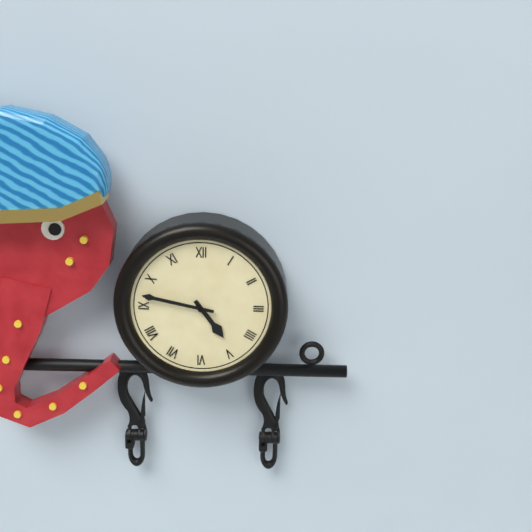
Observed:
{"hour": 4, "minute": 47}
